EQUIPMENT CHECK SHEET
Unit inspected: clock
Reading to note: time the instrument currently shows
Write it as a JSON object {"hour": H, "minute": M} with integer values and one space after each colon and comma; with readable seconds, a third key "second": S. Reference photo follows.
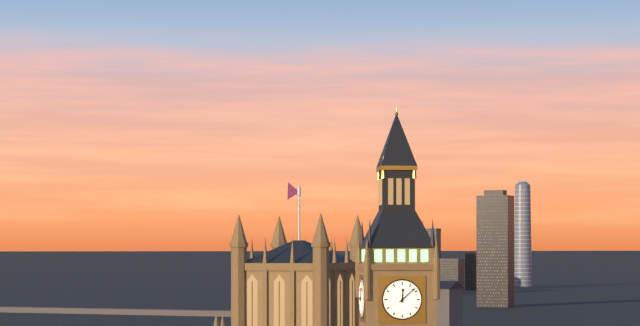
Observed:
{"hour": 12, "minute": 8}
